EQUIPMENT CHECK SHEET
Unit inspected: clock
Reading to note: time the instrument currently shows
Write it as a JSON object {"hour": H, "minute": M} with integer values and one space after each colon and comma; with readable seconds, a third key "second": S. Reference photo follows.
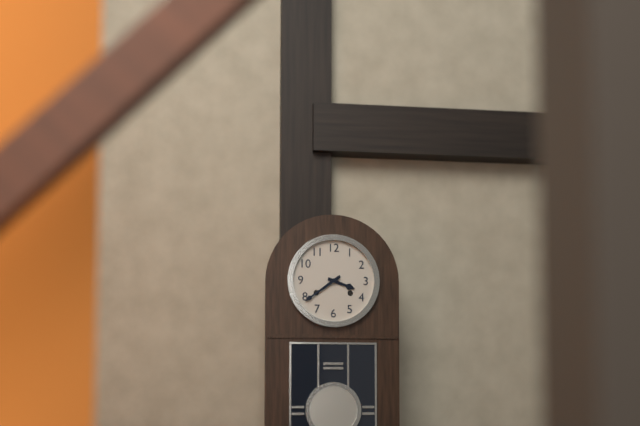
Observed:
{"hour": 3, "minute": 39}
